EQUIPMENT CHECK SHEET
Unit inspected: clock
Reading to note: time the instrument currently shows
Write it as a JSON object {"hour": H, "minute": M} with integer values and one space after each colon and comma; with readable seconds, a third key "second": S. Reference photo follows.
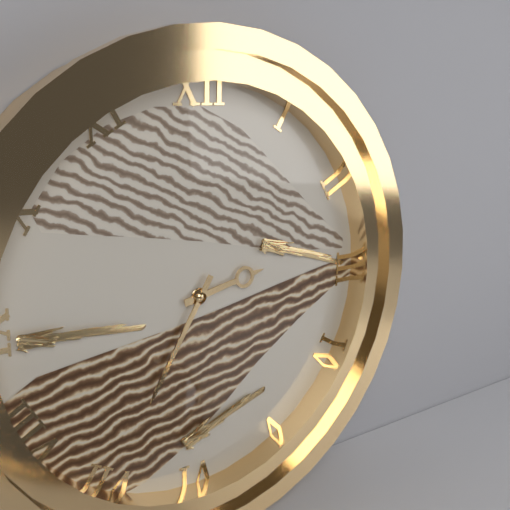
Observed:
{"hour": 2, "minute": 35}
